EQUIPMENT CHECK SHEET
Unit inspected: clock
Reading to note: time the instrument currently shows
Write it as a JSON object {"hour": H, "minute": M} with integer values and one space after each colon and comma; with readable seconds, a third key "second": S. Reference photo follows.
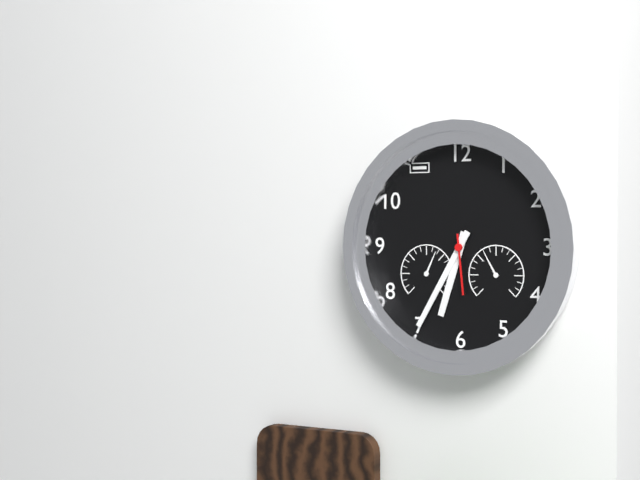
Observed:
{"hour": 6, "minute": 35, "second": 29}
